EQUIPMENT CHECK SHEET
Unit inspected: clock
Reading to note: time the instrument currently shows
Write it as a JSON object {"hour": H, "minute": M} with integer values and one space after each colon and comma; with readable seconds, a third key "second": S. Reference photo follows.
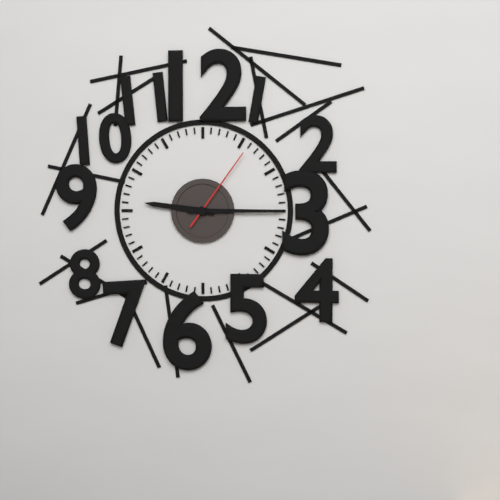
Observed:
{"hour": 9, "minute": 15, "second": 6}
